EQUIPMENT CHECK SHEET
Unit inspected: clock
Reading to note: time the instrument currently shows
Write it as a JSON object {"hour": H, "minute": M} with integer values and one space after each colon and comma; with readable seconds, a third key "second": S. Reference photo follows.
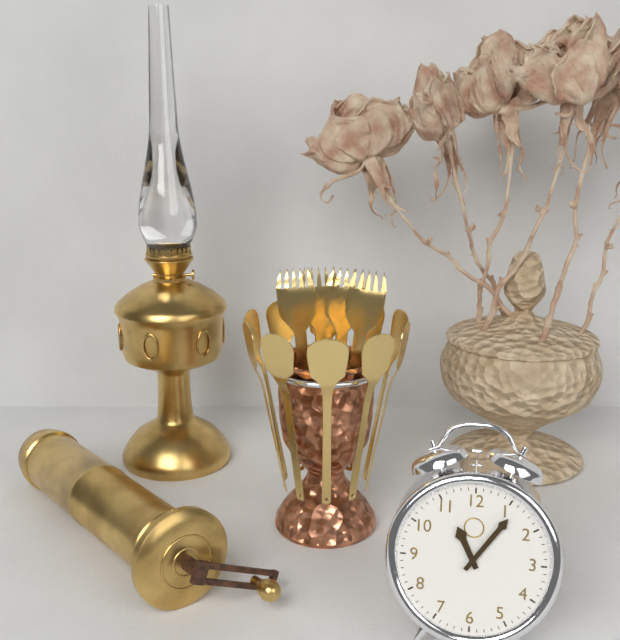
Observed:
{"hour": 11, "minute": 6}
